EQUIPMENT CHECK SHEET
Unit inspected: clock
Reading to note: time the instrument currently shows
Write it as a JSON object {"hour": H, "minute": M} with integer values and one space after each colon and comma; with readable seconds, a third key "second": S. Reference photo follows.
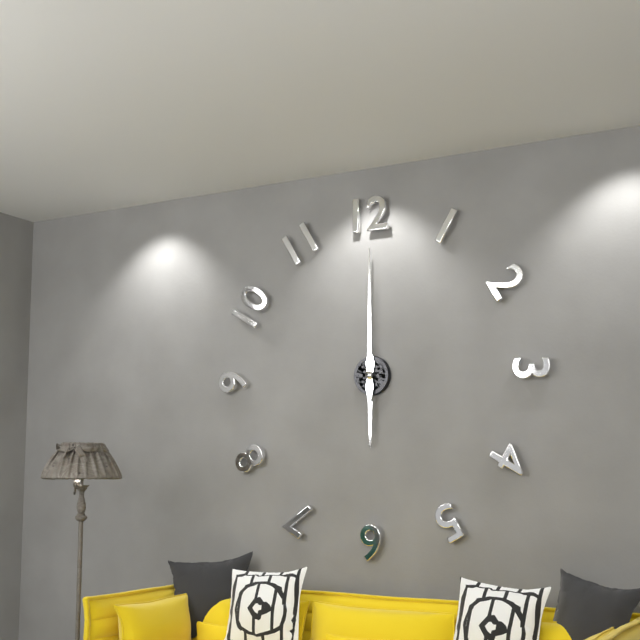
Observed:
{"hour": 6, "minute": 0}
